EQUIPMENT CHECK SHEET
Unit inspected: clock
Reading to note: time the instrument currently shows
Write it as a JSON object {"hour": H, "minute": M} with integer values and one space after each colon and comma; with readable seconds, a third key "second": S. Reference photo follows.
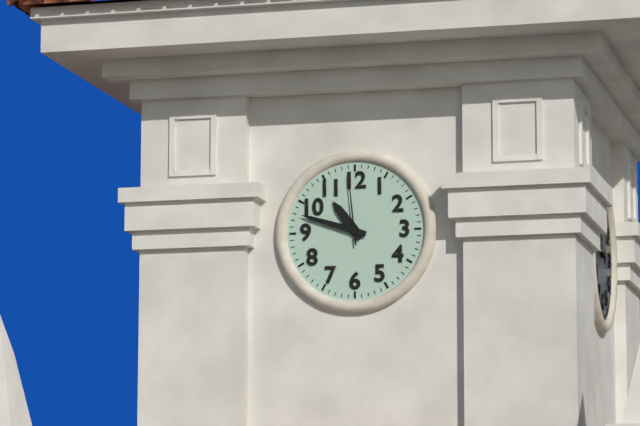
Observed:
{"hour": 10, "minute": 48, "second": 59}
